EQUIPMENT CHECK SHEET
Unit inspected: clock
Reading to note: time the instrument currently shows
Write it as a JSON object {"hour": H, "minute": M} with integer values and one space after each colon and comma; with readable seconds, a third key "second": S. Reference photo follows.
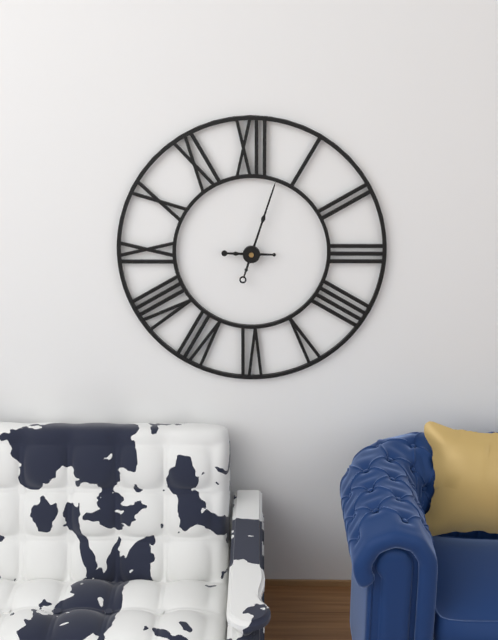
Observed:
{"hour": 9, "minute": 3}
